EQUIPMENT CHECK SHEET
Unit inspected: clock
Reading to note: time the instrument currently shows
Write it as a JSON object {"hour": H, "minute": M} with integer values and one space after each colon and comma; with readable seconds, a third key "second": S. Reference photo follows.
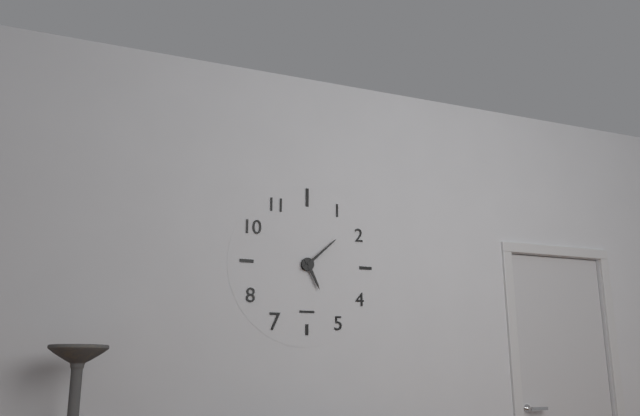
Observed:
{"hour": 5, "minute": 8}
